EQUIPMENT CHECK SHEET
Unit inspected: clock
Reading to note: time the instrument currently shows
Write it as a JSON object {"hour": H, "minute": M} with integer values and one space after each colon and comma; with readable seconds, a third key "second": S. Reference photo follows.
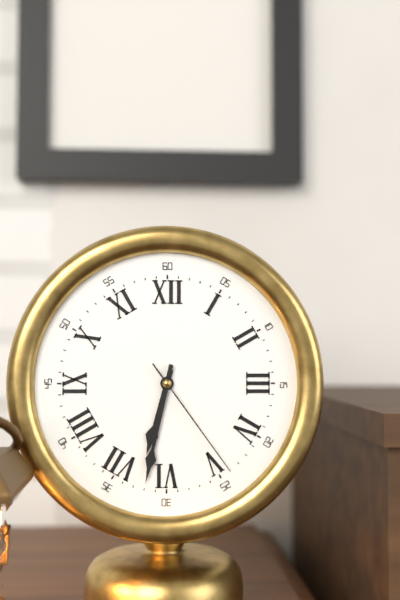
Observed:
{"hour": 6, "minute": 32, "second": 24}
